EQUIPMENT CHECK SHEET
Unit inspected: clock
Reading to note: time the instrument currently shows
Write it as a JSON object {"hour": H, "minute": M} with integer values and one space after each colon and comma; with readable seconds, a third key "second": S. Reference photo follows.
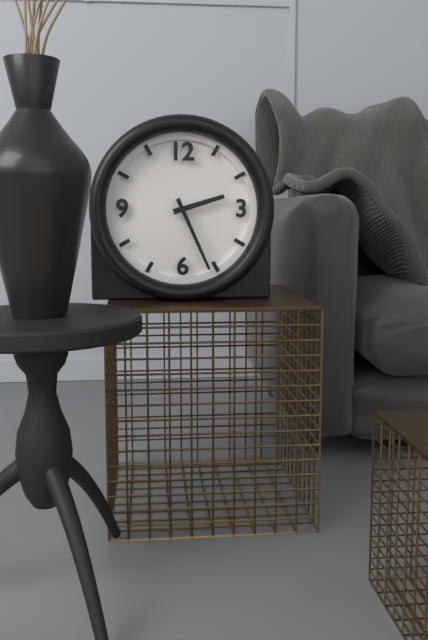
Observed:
{"hour": 2, "minute": 26}
